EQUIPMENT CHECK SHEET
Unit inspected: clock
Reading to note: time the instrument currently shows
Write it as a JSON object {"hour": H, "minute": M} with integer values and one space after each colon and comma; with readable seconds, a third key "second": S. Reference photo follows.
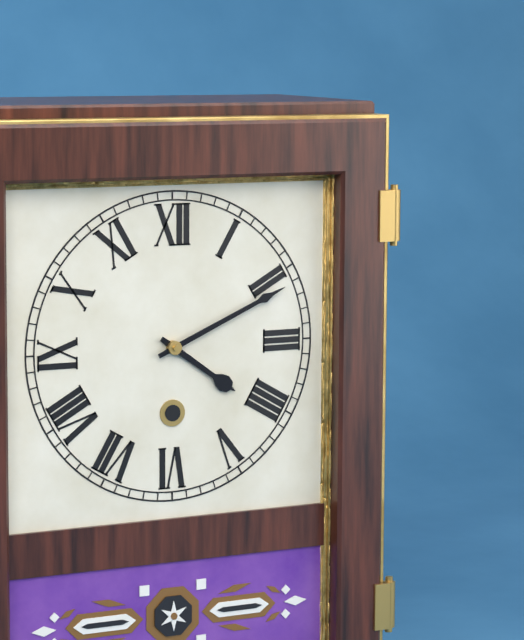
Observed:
{"hour": 4, "minute": 11}
